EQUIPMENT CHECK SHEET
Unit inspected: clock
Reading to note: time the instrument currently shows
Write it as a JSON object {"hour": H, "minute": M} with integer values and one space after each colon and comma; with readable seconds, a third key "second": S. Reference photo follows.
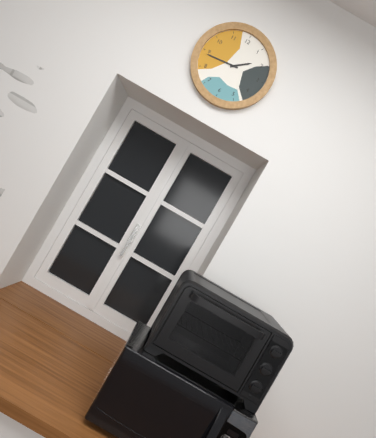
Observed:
{"hour": 1, "minute": 44}
